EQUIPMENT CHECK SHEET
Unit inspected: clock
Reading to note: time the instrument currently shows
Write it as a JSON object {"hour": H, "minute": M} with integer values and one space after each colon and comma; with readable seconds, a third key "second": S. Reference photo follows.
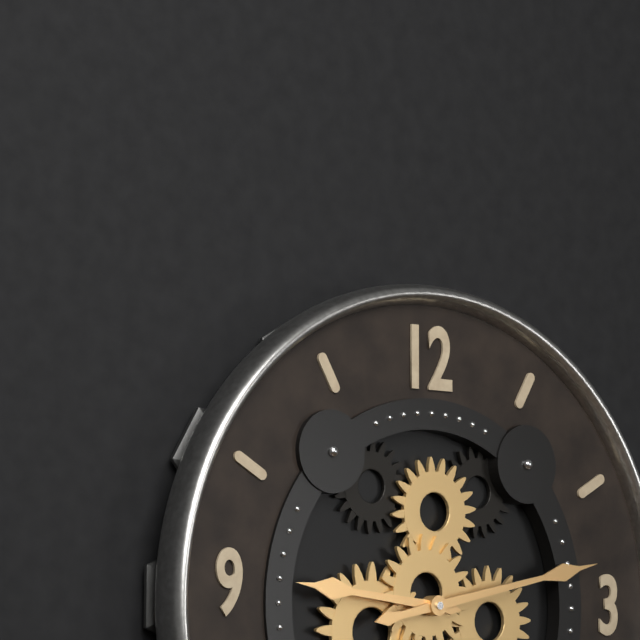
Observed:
{"hour": 9, "minute": 13}
